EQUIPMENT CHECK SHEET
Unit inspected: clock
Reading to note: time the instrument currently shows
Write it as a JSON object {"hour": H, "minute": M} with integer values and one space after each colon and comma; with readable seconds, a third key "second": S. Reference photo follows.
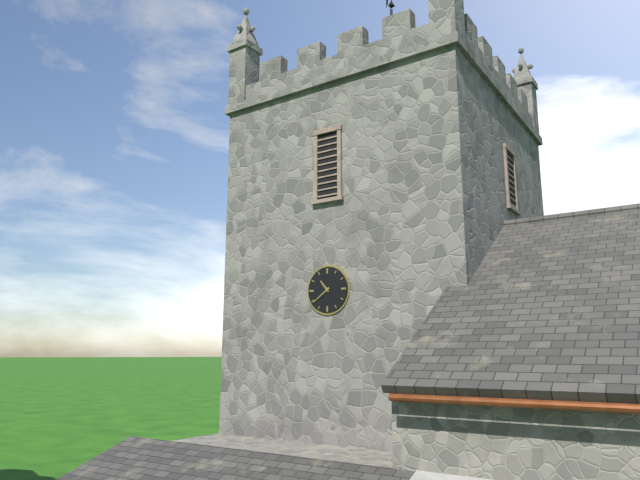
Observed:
{"hour": 10, "minute": 39}
